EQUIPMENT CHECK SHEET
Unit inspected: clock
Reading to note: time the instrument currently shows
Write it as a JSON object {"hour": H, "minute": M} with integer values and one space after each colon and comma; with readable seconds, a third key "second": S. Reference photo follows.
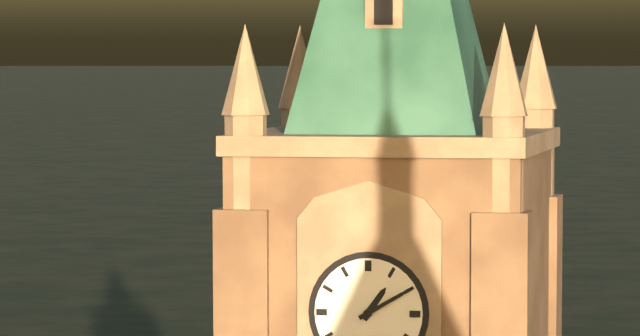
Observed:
{"hour": 1, "minute": 10}
